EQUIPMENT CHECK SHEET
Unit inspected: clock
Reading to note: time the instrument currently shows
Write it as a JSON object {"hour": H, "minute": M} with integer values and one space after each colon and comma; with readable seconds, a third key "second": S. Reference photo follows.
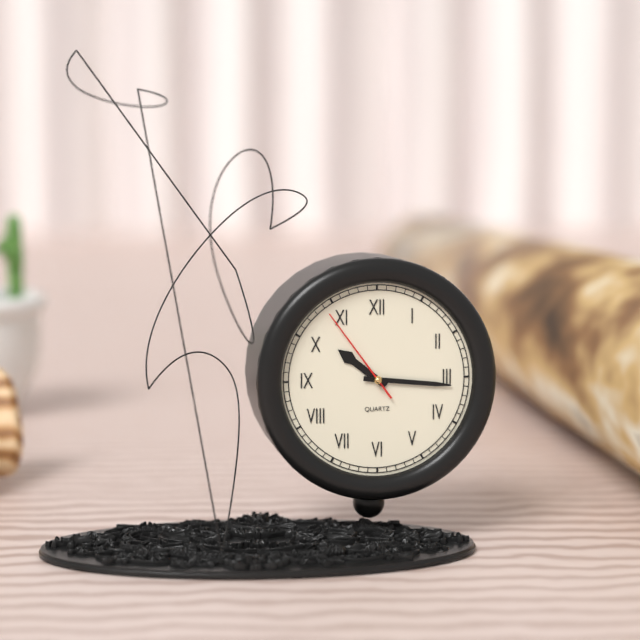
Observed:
{"hour": 10, "minute": 16, "second": 54}
